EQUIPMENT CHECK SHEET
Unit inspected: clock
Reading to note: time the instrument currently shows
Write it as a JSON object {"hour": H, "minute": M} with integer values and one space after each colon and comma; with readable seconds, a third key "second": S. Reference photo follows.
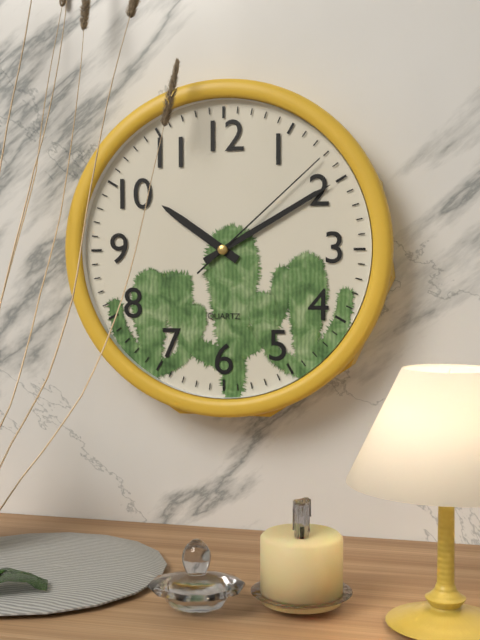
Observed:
{"hour": 10, "minute": 10, "second": 8}
